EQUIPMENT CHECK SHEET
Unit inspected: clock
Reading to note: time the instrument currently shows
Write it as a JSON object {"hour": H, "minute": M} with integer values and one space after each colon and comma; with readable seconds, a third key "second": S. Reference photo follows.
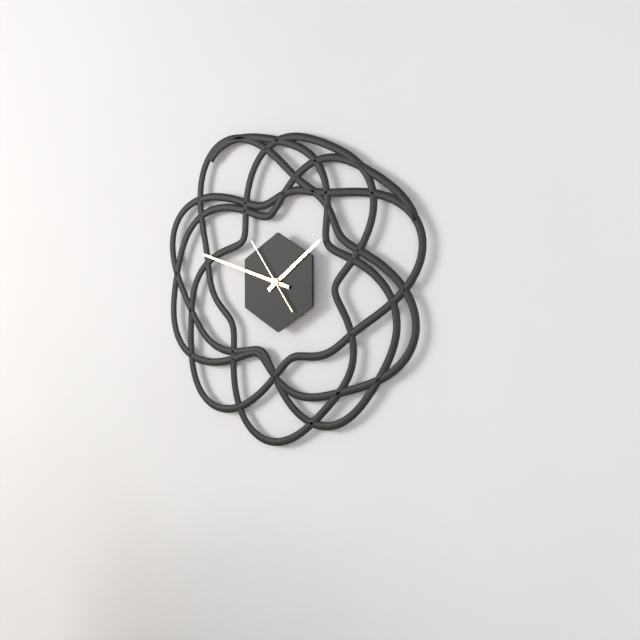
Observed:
{"hour": 1, "minute": 48, "second": 54}
